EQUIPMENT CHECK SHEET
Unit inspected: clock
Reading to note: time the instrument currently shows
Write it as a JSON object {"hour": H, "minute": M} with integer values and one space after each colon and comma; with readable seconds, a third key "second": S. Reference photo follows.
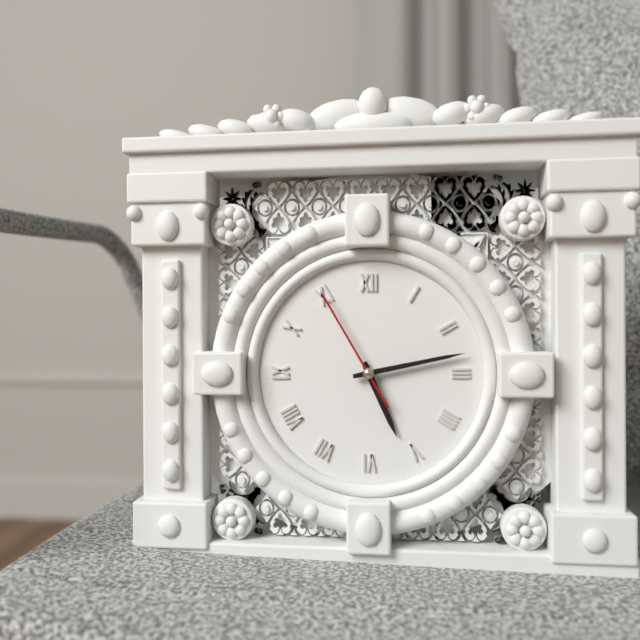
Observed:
{"hour": 5, "minute": 13, "second": 55}
